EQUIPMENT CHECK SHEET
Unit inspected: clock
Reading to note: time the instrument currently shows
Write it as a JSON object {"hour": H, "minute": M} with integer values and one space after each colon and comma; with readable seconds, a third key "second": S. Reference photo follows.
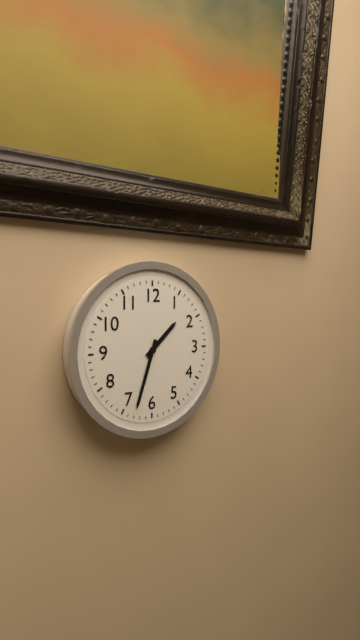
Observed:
{"hour": 1, "minute": 33}
